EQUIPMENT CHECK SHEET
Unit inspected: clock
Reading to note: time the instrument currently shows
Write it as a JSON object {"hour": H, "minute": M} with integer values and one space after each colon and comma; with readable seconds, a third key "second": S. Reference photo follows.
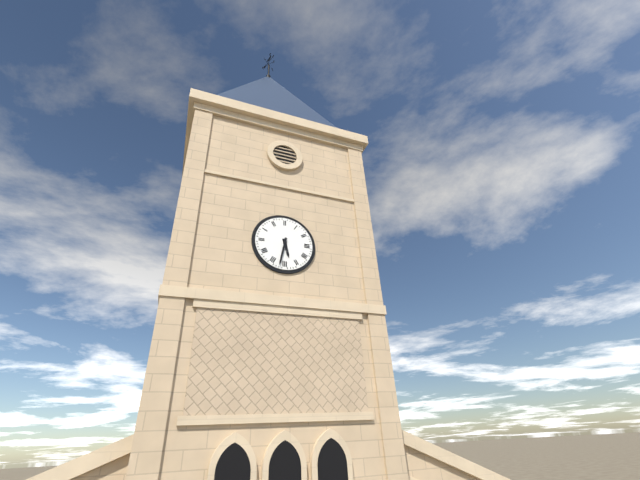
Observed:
{"hour": 5, "minute": 32}
